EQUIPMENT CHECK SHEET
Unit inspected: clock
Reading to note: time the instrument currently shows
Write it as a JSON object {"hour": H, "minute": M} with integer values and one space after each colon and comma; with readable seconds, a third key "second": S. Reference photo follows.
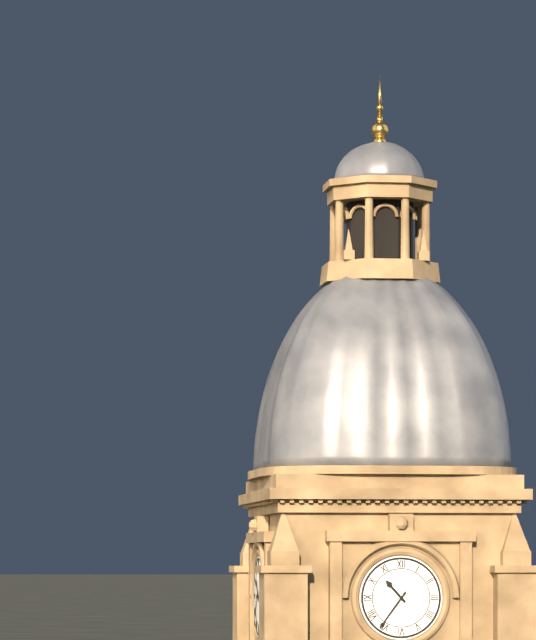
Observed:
{"hour": 10, "minute": 36}
